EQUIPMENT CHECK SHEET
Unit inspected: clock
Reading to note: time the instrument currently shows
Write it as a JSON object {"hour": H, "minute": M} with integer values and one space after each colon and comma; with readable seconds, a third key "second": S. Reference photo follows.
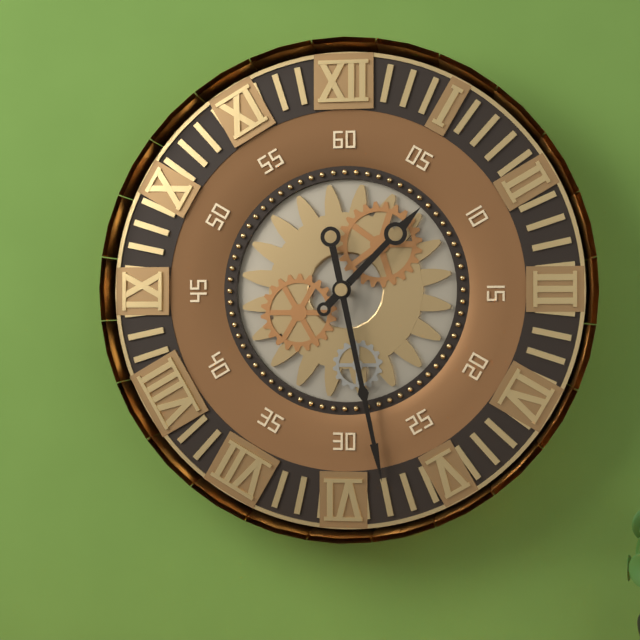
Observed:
{"hour": 1, "minute": 28}
